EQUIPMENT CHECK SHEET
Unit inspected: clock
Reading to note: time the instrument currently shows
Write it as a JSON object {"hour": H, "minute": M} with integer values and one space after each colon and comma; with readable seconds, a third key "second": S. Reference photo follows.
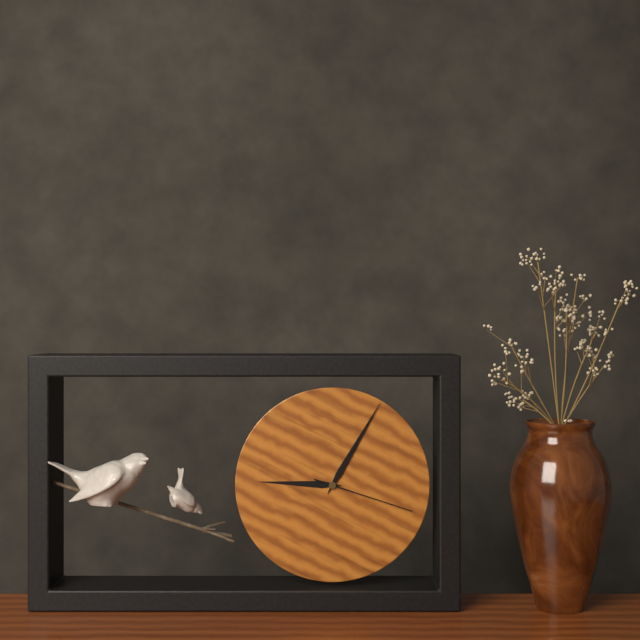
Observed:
{"hour": 9, "minute": 5, "second": 18}
